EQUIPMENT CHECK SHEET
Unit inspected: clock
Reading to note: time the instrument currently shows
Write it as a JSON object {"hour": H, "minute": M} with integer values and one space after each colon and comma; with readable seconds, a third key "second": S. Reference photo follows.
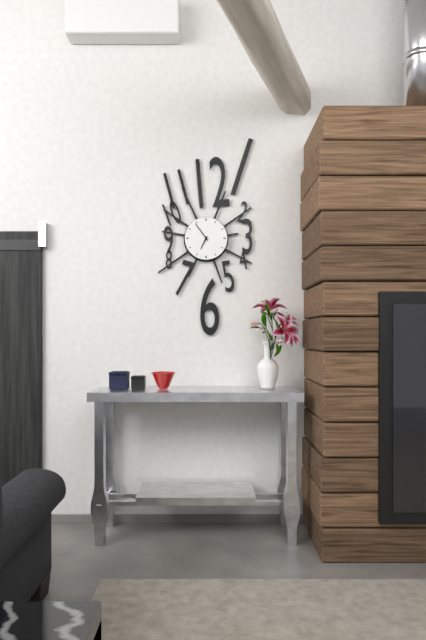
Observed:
{"hour": 6, "minute": 54}
